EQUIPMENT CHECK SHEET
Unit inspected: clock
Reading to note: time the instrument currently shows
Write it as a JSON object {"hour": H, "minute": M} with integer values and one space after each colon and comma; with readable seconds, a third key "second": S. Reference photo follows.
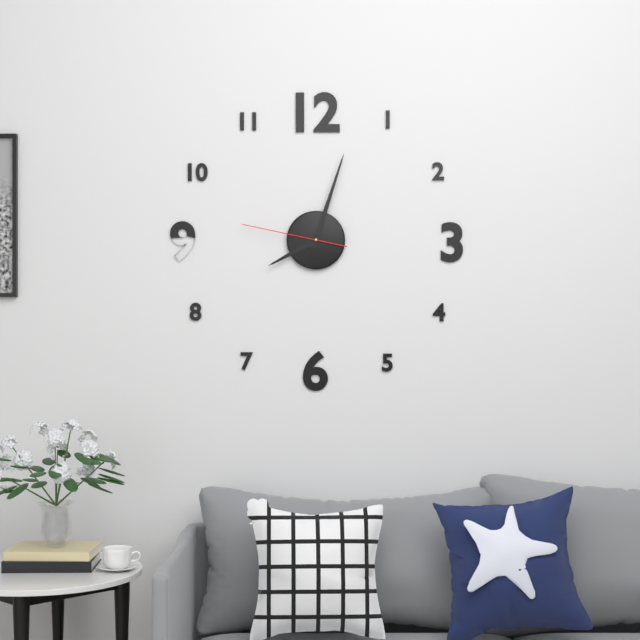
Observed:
{"hour": 8, "minute": 3, "second": 47}
